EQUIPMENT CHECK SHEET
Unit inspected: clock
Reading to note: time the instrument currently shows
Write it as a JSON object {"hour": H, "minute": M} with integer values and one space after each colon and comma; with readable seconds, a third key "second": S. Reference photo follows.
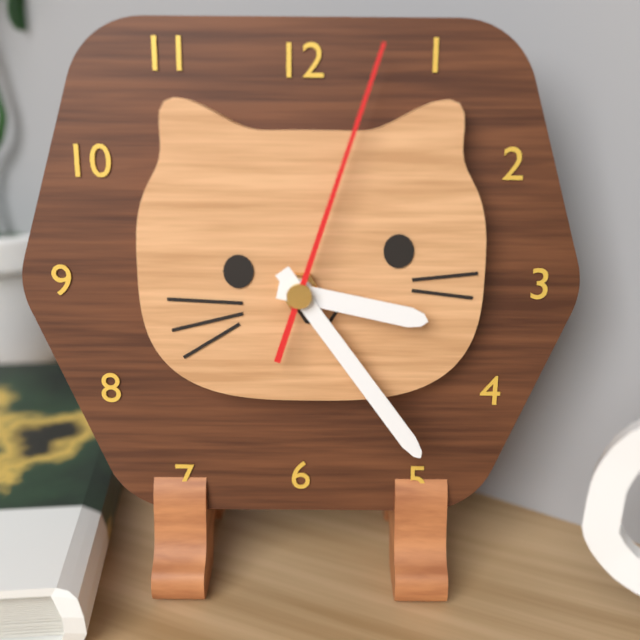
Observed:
{"hour": 3, "minute": 24, "second": 3}
